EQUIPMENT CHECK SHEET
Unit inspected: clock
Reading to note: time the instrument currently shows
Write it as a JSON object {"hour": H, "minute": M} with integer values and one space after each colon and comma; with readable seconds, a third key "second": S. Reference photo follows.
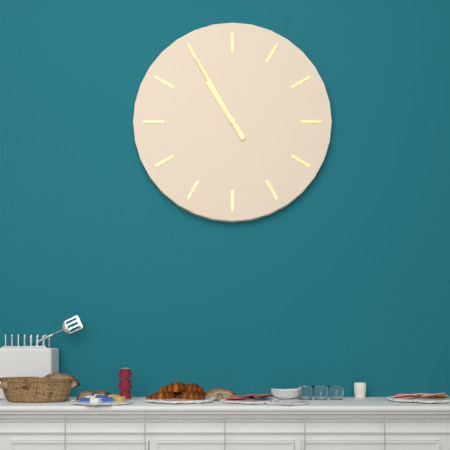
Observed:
{"hour": 10, "minute": 55}
